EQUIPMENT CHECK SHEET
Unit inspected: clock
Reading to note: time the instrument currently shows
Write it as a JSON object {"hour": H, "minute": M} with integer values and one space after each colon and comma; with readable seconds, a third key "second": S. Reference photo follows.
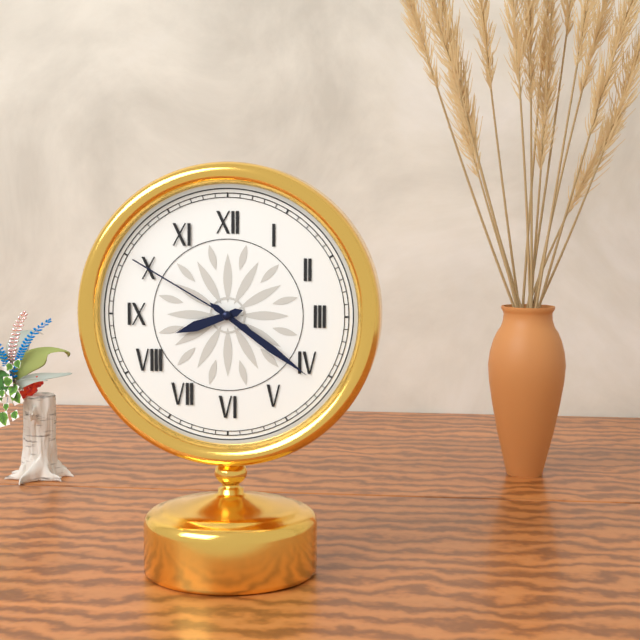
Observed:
{"hour": 8, "minute": 21, "second": 50}
